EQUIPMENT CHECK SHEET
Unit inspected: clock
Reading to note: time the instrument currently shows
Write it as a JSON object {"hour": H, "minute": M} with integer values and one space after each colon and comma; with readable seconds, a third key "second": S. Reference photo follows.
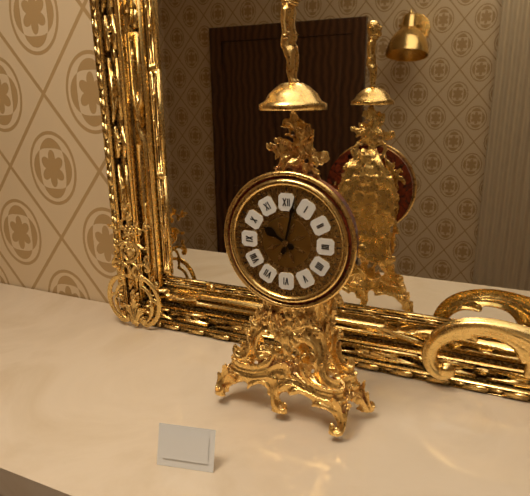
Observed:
{"hour": 10, "minute": 2}
